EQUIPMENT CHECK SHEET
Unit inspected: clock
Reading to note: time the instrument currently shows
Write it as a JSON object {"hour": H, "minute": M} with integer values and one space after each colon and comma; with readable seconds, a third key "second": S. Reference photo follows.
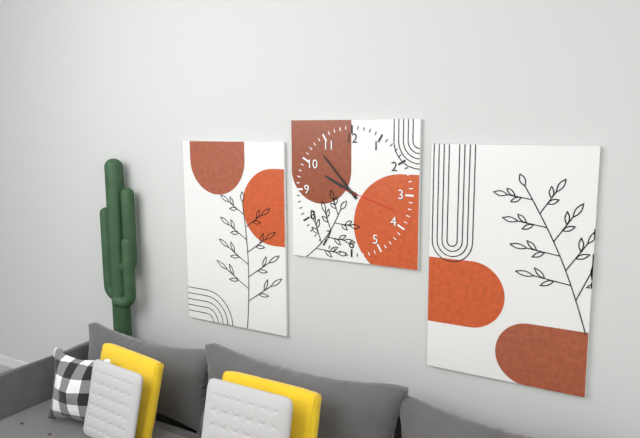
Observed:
{"hour": 9, "minute": 53, "second": 18}
